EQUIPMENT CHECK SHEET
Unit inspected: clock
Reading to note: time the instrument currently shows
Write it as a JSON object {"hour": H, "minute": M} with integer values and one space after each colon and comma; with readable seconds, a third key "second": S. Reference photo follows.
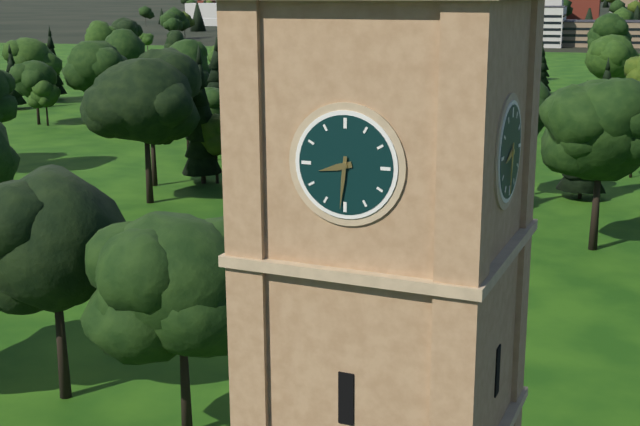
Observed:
{"hour": 8, "minute": 31}
